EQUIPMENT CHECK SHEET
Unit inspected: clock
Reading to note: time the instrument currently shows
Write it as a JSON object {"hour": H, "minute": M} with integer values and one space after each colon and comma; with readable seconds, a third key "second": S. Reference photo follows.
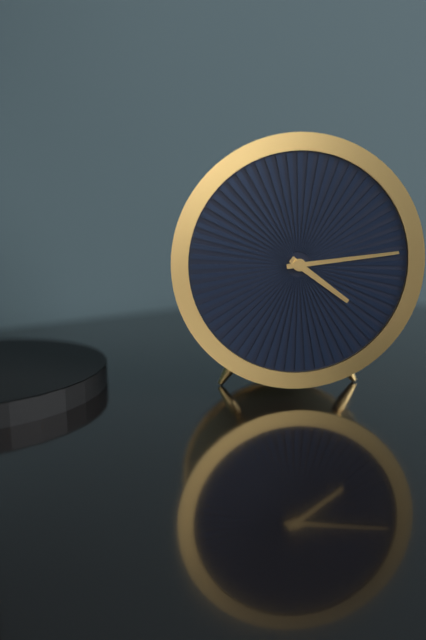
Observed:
{"hour": 4, "minute": 14}
